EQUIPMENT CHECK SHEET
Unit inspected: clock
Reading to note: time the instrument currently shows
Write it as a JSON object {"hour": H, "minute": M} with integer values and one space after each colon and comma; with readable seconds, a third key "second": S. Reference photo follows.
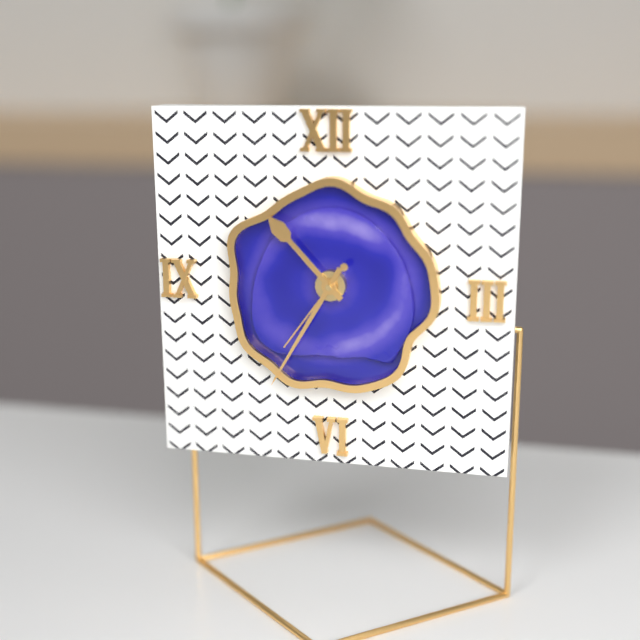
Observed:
{"hour": 10, "minute": 35, "second": 36}
